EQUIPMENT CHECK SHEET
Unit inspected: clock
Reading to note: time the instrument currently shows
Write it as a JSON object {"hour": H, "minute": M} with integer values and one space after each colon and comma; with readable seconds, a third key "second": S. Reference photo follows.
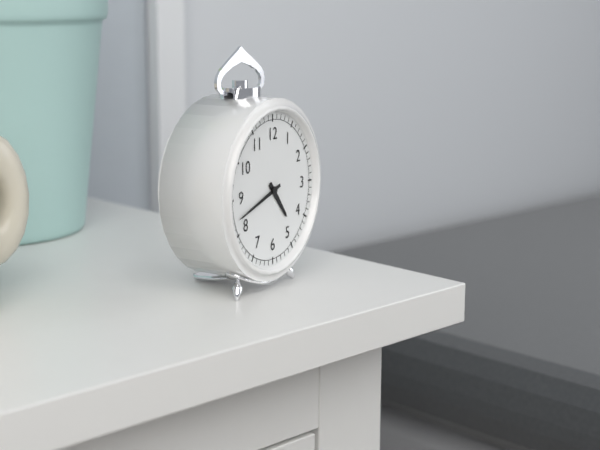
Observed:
{"hour": 4, "minute": 42}
